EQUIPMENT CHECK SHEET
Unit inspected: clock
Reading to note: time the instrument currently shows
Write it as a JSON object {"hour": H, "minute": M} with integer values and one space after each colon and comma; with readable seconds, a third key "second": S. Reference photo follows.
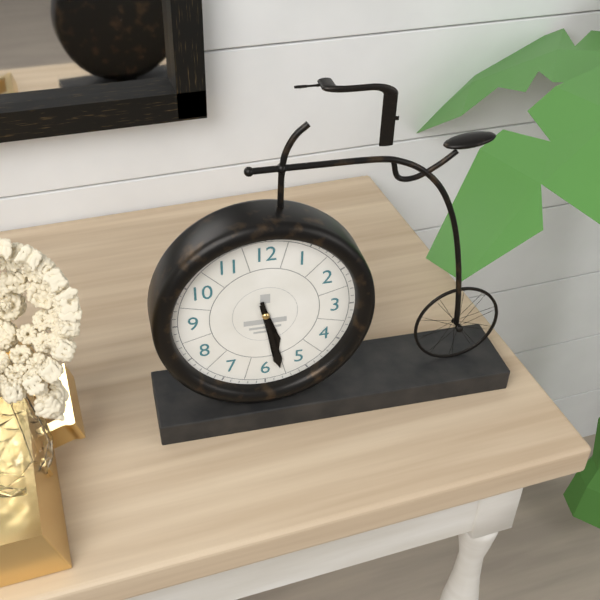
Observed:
{"hour": 5, "minute": 28}
